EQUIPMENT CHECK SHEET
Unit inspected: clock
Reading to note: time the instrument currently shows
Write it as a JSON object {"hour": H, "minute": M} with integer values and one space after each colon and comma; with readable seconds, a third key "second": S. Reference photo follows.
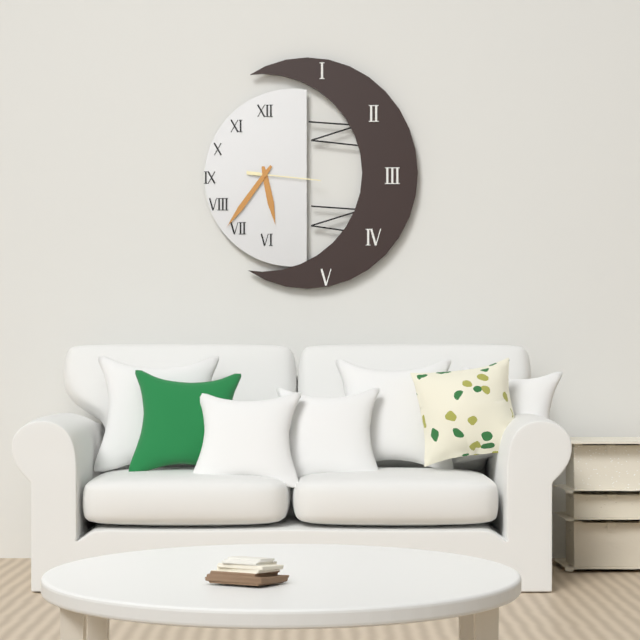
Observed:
{"hour": 5, "minute": 36, "second": 16}
